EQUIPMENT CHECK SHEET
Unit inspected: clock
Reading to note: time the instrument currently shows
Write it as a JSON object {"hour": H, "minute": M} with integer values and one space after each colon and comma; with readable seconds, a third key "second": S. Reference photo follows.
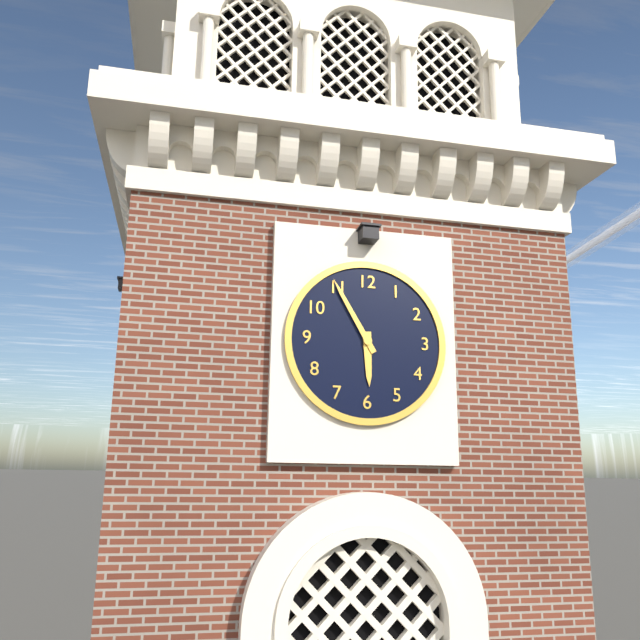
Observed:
{"hour": 5, "minute": 55}
